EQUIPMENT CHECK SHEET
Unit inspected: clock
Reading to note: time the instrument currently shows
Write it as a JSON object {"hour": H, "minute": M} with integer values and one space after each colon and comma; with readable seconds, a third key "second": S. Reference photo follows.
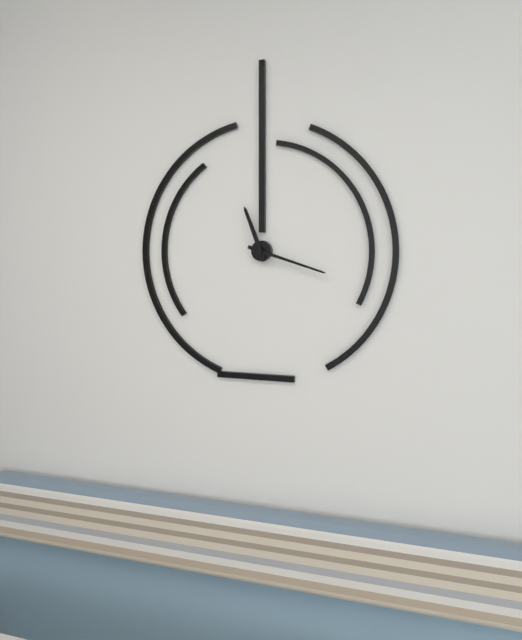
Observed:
{"hour": 11, "minute": 18}
